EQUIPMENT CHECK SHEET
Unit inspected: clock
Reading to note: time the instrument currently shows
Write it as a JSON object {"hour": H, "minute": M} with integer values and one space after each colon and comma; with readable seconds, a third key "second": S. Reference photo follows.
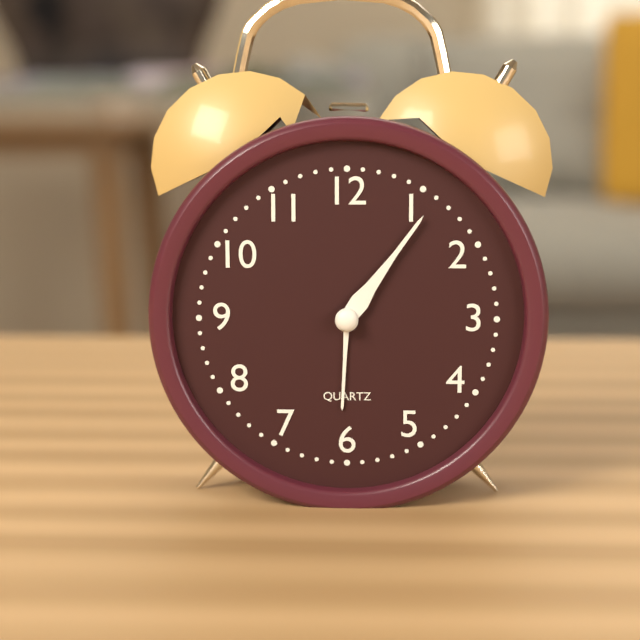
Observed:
{"hour": 6, "minute": 6}
